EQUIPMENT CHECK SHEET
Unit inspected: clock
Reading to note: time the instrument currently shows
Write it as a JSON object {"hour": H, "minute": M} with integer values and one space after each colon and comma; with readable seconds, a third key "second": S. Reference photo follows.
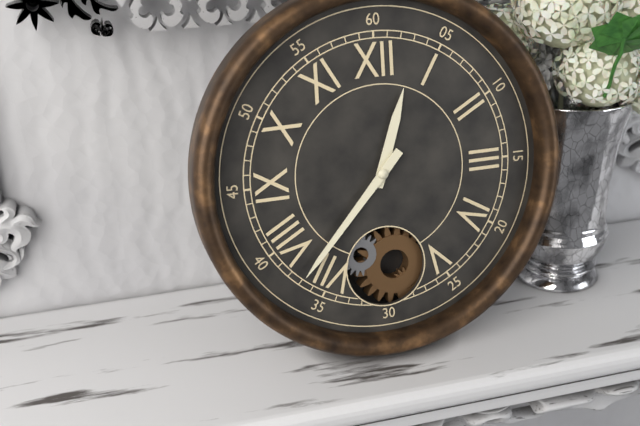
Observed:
{"hour": 12, "minute": 37}
